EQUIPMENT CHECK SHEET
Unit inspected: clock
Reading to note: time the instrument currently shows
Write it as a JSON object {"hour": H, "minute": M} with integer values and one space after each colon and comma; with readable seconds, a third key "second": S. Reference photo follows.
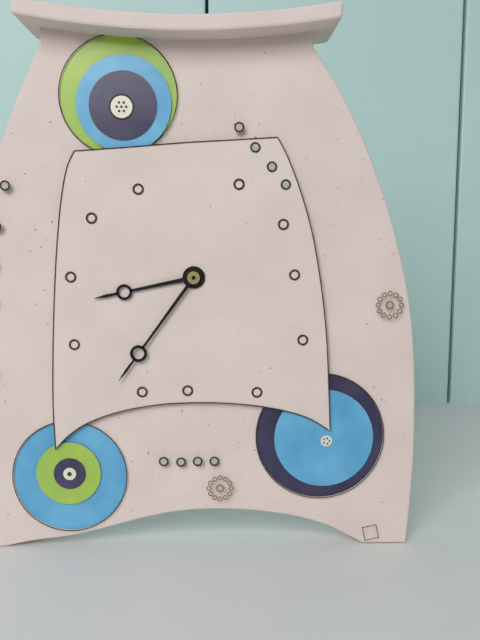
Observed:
{"hour": 8, "minute": 36}
